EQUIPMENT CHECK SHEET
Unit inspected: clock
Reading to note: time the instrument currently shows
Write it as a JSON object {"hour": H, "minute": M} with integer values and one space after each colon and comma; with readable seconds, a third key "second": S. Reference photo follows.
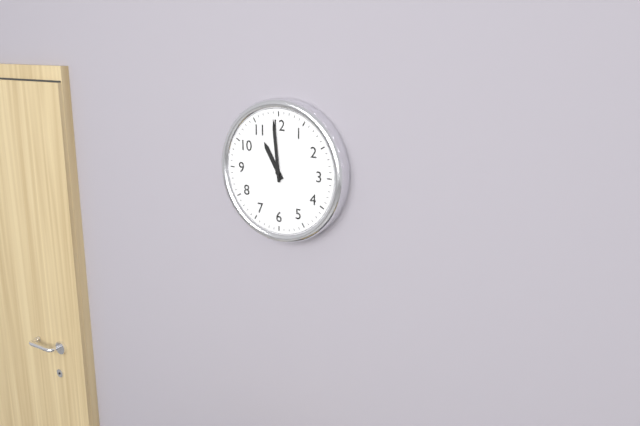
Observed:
{"hour": 10, "minute": 59}
